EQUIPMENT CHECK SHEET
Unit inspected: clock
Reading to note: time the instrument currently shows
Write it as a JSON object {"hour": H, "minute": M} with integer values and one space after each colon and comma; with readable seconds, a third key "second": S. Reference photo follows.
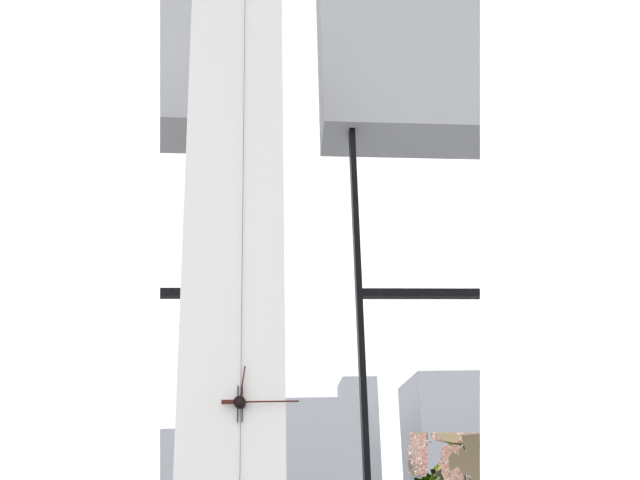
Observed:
{"hour": 12, "minute": 15}
